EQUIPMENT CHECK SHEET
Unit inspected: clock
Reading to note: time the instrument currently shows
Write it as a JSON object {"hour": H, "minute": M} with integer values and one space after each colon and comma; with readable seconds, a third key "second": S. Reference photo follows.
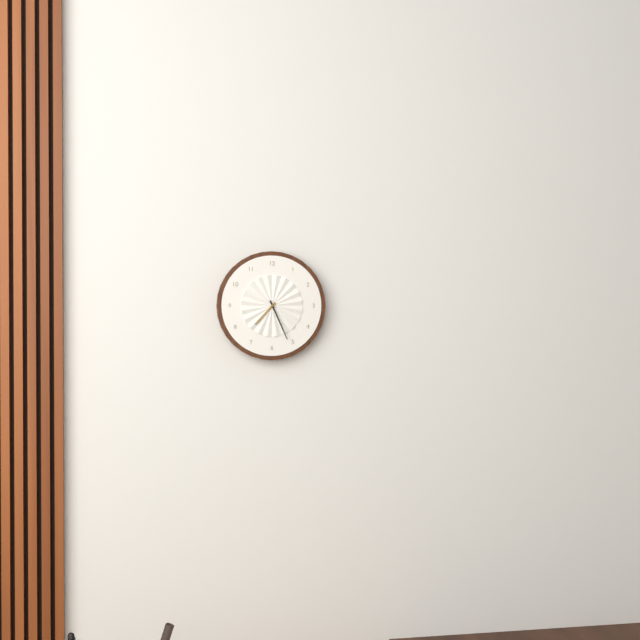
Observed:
{"hour": 7, "minute": 26}
